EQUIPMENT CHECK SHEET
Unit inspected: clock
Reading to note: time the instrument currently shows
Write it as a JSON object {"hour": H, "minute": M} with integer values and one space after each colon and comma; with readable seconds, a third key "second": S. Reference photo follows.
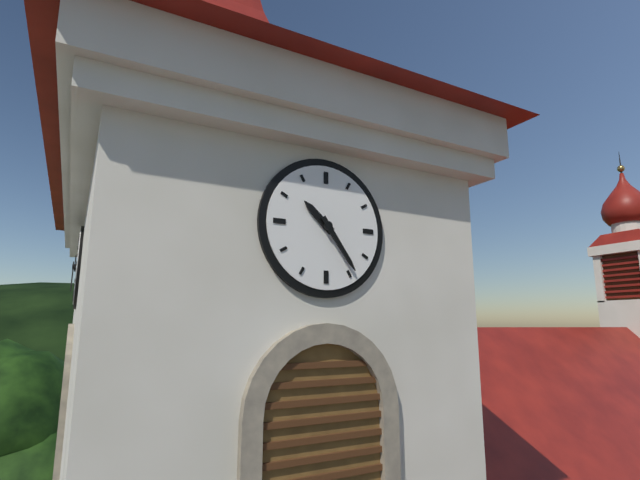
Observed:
{"hour": 10, "minute": 24}
